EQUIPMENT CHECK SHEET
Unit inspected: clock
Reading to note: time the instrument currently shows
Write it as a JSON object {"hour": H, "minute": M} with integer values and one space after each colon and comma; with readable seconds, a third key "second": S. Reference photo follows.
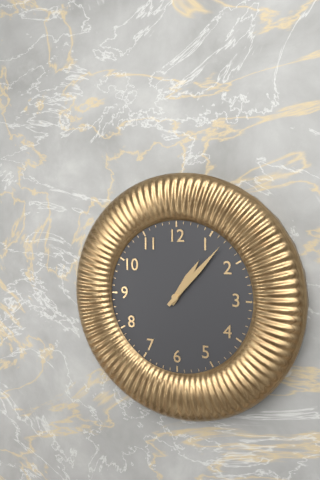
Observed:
{"hour": 1, "minute": 7}
